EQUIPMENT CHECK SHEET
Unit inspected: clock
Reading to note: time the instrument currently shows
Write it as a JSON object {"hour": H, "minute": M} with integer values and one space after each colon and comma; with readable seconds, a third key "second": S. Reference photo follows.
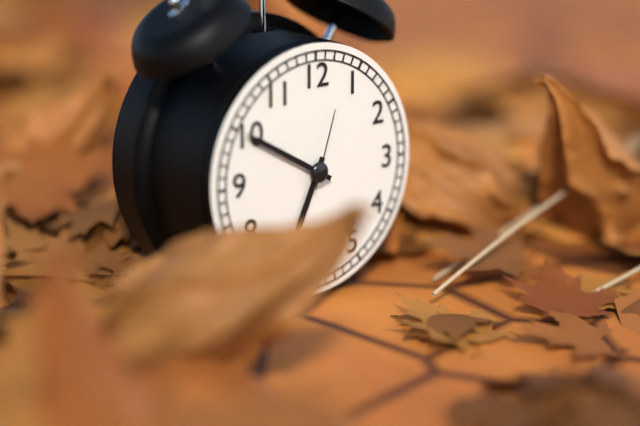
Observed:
{"hour": 6, "minute": 50, "second": 3}
